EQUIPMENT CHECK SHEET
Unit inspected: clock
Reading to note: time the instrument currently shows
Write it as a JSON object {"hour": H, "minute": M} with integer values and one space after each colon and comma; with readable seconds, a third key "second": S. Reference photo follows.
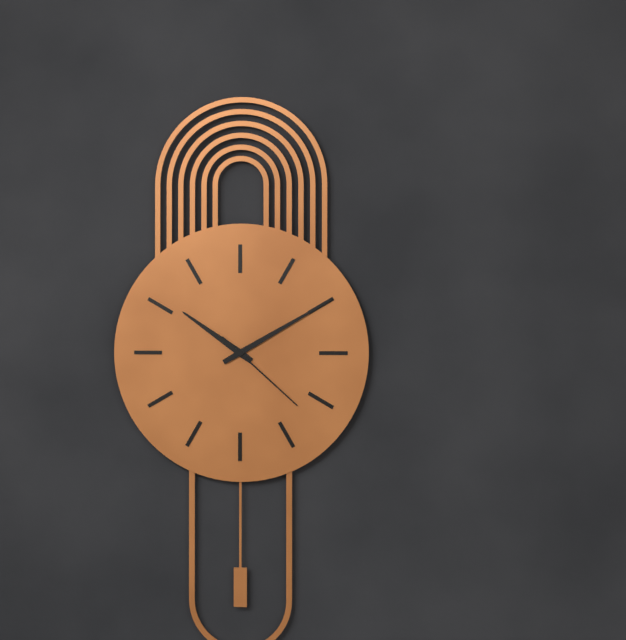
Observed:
{"hour": 10, "minute": 10, "second": 22}
